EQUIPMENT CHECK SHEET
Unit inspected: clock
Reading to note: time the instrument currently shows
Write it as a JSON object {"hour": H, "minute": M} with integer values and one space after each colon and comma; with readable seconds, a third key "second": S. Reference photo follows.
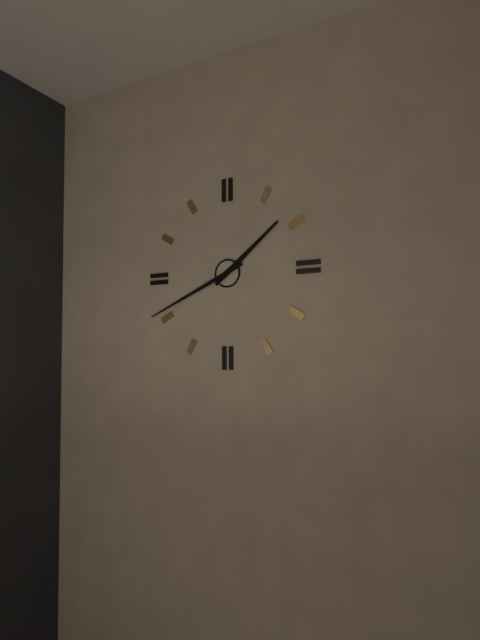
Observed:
{"hour": 1, "minute": 41}
